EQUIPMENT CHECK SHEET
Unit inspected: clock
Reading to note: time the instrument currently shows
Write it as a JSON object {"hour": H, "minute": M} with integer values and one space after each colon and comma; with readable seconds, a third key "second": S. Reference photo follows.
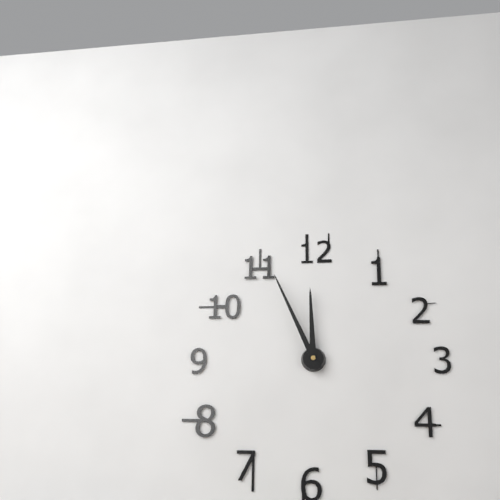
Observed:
{"hour": 11, "minute": 56}
